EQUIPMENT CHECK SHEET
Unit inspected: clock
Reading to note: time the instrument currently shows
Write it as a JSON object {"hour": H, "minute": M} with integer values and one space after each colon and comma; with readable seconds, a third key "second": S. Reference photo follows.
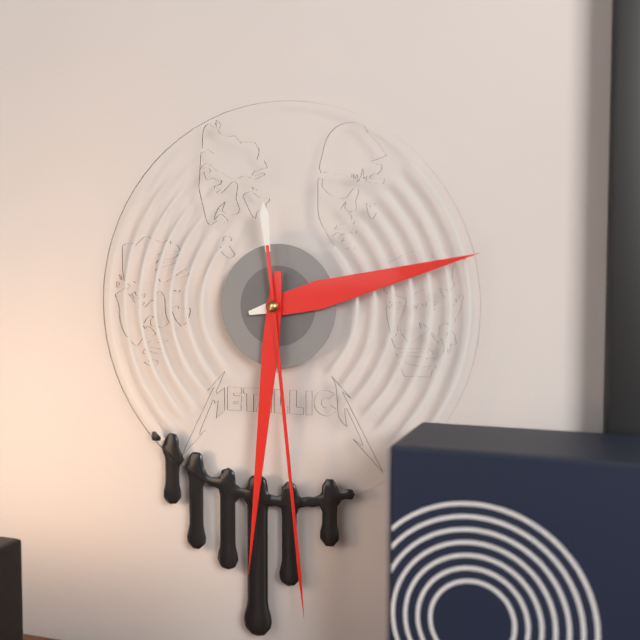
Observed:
{"hour": 2, "minute": 31, "second": 29}
